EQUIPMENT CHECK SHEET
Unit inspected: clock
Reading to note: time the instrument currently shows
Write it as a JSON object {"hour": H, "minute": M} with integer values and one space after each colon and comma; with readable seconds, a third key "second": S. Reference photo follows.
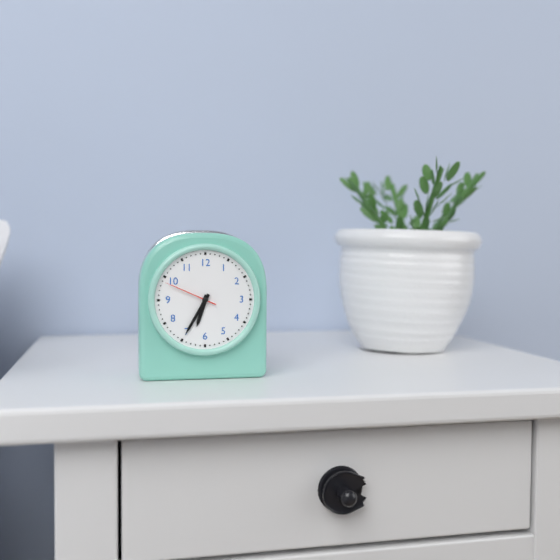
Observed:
{"hour": 6, "minute": 35, "second": 49}
